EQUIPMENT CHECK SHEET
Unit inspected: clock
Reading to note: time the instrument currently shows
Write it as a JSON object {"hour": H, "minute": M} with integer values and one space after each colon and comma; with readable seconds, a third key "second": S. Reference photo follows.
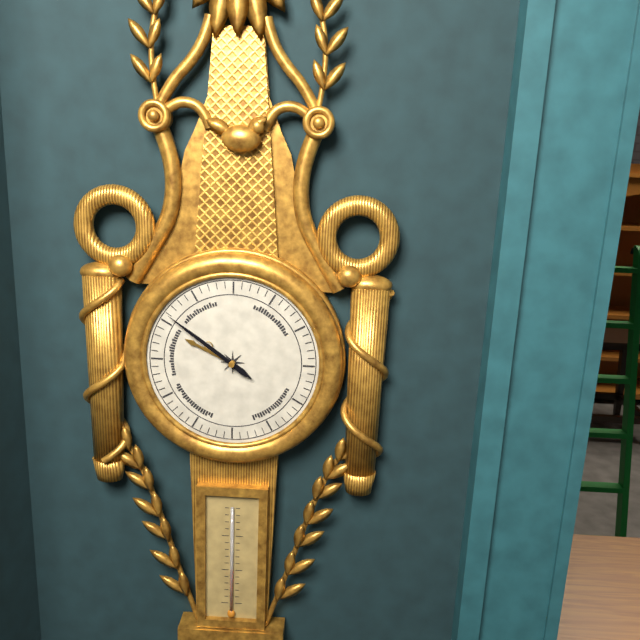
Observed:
{"hour": 9, "minute": 51}
